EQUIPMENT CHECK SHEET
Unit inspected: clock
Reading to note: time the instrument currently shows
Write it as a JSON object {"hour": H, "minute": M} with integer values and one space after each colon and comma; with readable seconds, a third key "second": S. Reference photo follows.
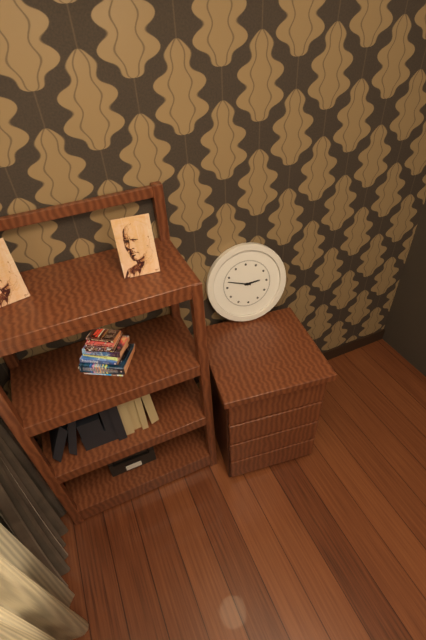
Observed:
{"hour": 2, "minute": 48}
